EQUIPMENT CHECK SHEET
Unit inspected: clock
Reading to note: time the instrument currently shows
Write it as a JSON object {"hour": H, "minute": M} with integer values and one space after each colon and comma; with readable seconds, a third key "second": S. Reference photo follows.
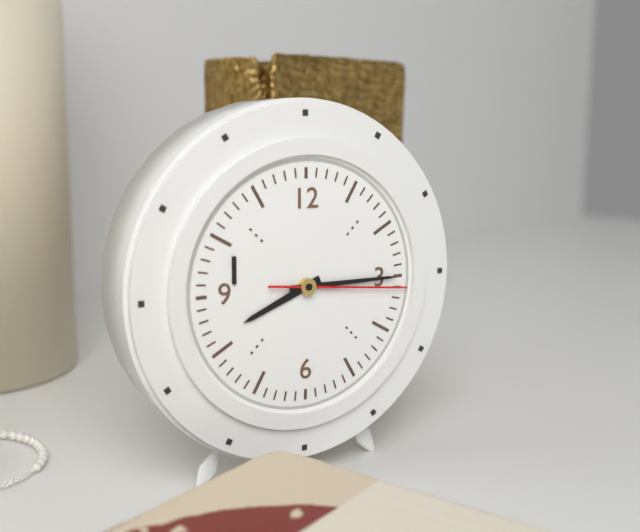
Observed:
{"hour": 8, "minute": 15, "second": 16}
